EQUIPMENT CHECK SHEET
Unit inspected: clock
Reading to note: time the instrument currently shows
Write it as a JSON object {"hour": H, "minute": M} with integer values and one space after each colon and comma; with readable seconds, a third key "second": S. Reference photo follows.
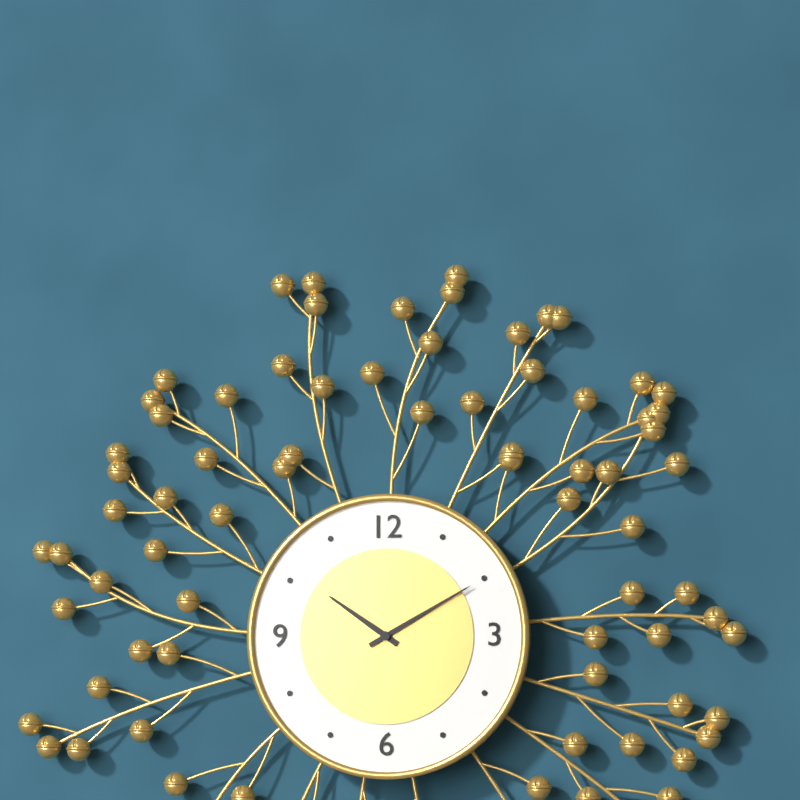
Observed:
{"hour": 10, "minute": 10}
